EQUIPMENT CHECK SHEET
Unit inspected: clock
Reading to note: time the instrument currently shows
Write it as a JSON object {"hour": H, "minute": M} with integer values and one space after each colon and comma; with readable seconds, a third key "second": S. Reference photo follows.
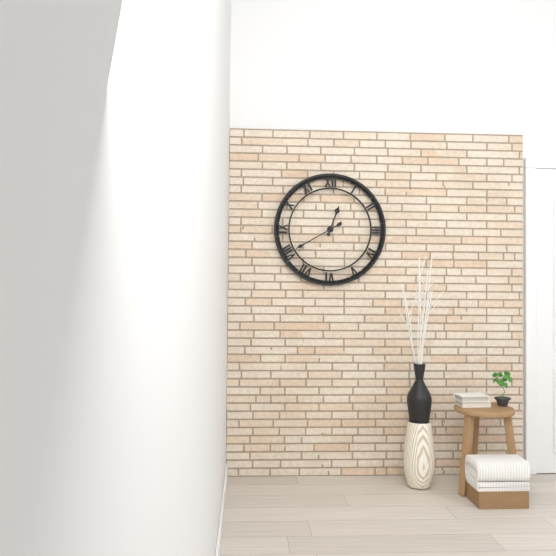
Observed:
{"hour": 12, "minute": 40}
